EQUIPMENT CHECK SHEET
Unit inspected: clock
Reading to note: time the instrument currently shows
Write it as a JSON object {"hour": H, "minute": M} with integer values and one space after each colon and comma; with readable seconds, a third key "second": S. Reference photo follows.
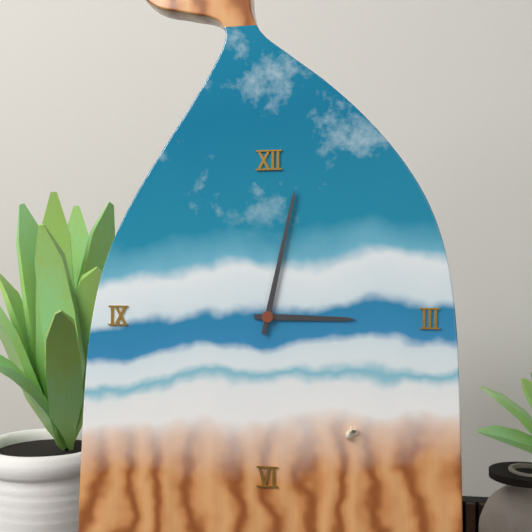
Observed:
{"hour": 3, "minute": 2}
